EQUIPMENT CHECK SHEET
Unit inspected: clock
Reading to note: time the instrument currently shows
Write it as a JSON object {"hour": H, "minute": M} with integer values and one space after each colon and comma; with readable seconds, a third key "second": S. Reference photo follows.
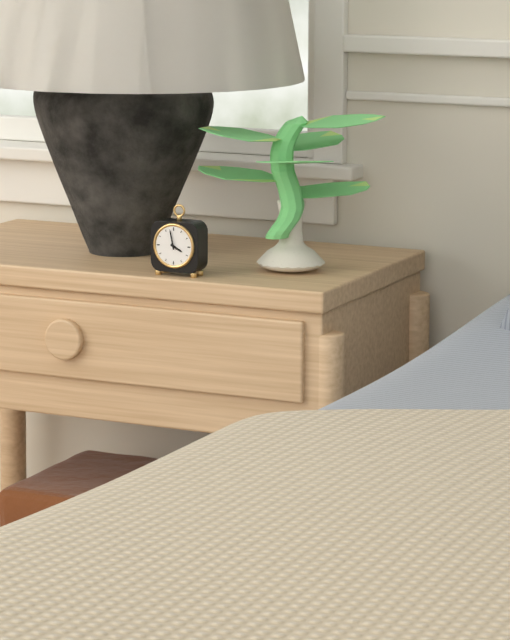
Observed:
{"hour": 3, "minute": 58}
